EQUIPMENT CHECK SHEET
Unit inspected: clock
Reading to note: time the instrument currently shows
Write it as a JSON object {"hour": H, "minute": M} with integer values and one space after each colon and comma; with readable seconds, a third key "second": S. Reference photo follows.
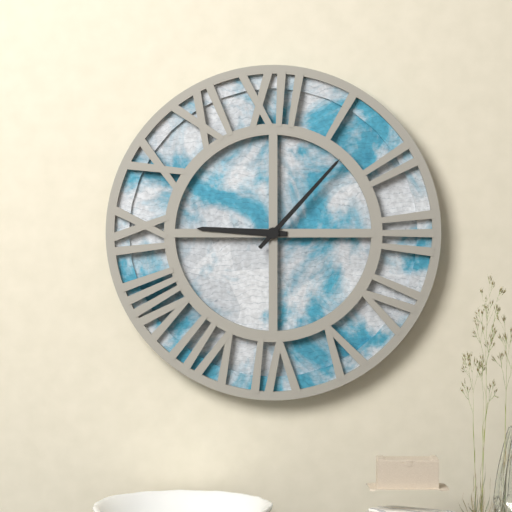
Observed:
{"hour": 9, "minute": 7}
